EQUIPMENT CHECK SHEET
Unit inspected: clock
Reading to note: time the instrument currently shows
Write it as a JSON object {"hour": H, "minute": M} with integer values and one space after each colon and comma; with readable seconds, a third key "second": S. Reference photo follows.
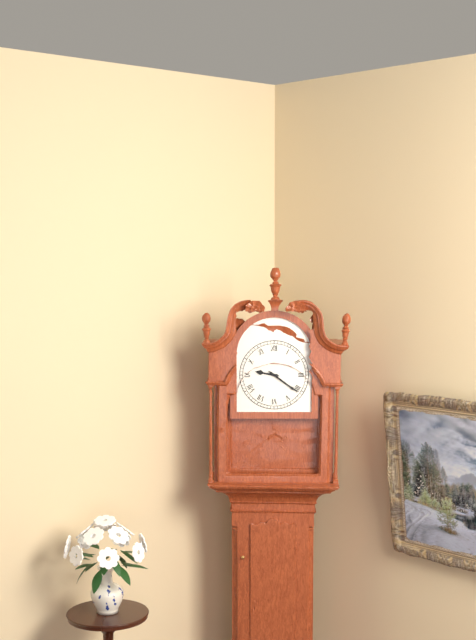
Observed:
{"hour": 9, "minute": 21}
